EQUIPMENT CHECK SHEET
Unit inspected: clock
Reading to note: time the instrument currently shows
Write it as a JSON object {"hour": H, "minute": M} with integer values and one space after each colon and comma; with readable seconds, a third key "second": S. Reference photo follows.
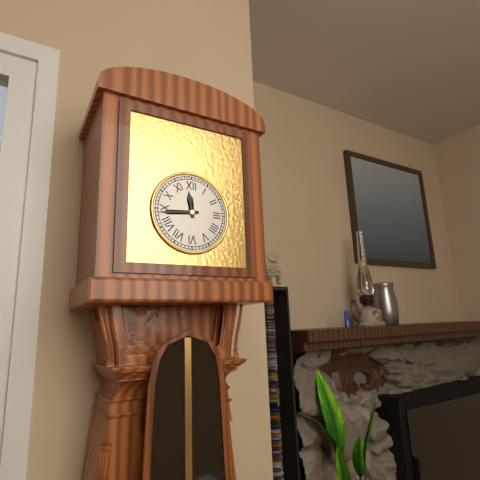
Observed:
{"hour": 11, "minute": 44}
